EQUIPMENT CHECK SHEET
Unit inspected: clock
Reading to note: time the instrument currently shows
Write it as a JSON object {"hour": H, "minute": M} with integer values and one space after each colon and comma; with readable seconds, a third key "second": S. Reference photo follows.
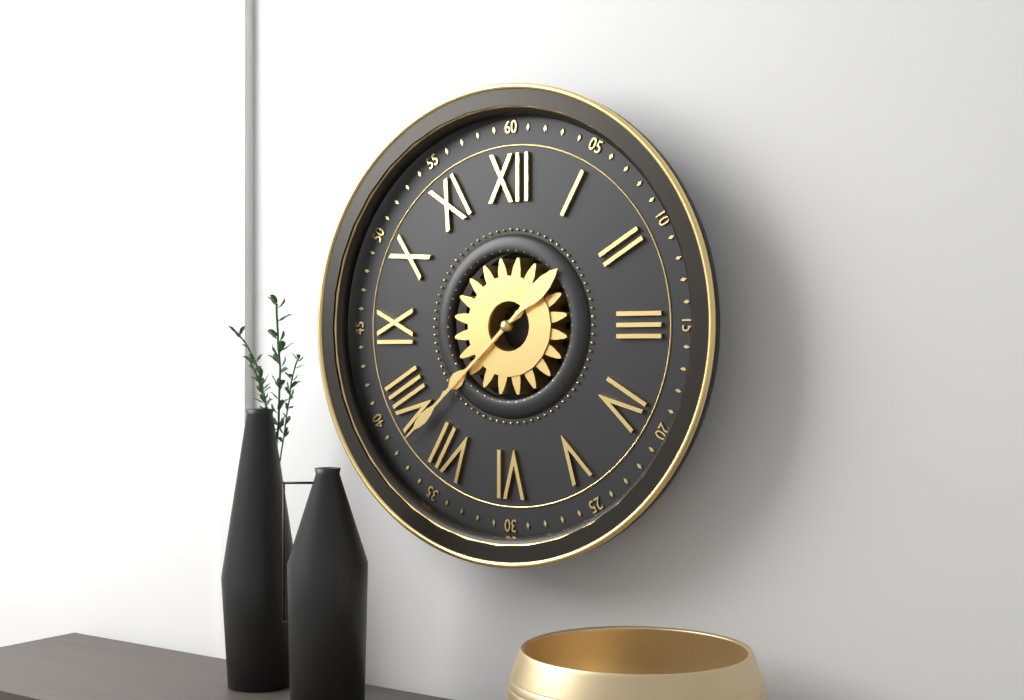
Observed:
{"hour": 7, "minute": 38}
